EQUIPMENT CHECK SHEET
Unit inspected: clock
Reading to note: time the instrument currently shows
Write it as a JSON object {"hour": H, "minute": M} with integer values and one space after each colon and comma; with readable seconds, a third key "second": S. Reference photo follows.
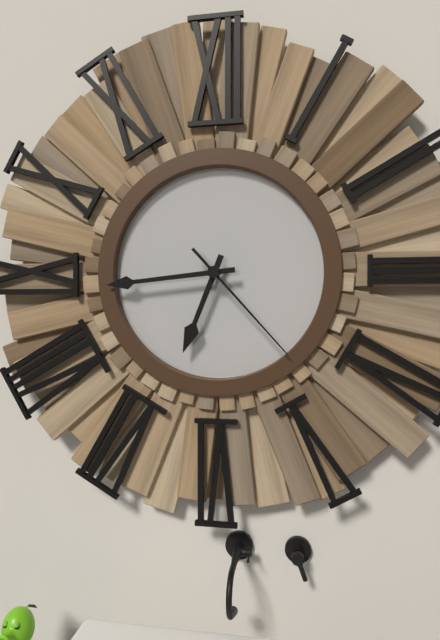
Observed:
{"hour": 6, "minute": 44, "second": 23}
